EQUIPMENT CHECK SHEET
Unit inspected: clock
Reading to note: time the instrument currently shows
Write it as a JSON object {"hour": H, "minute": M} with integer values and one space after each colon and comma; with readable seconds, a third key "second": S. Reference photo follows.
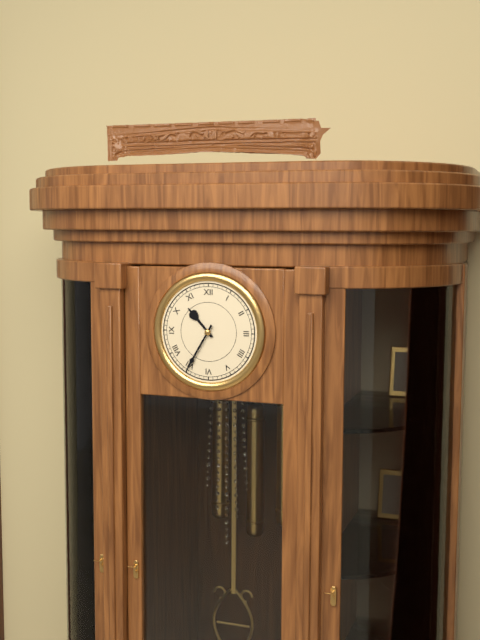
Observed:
{"hour": 10, "minute": 35}
